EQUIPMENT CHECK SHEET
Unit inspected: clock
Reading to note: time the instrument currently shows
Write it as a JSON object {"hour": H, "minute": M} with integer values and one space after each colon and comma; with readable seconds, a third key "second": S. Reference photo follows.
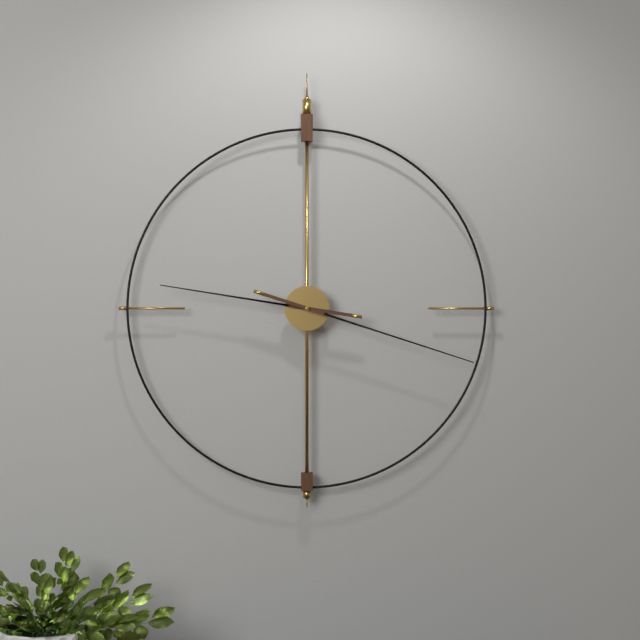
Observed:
{"hour": 9, "minute": 18}
